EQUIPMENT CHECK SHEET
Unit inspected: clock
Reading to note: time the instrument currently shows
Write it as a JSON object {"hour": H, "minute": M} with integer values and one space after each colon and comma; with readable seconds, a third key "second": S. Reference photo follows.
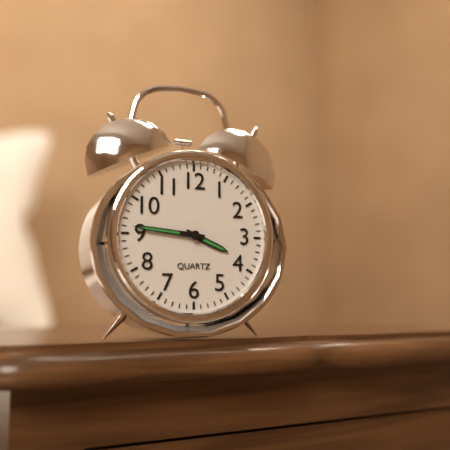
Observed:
{"hour": 3, "minute": 46}
